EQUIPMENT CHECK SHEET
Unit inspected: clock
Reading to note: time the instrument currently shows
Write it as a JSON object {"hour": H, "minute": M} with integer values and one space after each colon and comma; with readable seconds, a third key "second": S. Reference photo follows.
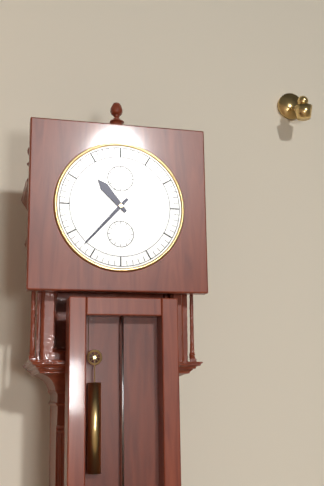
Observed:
{"hour": 10, "minute": 37}
